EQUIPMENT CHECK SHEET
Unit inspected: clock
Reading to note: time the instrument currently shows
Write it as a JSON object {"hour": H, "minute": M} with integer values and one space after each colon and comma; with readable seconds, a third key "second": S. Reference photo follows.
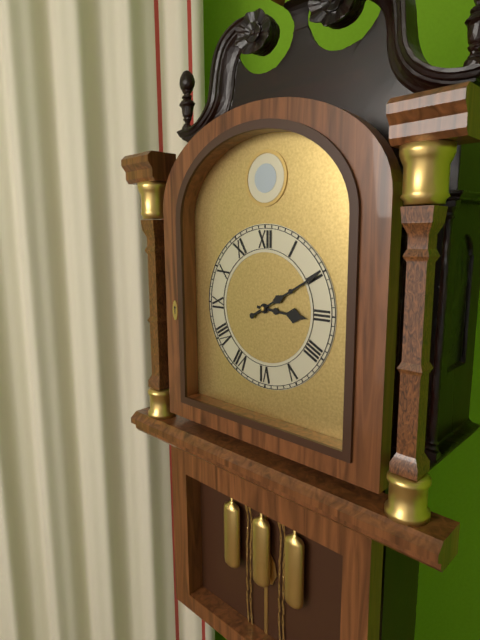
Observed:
{"hour": 3, "minute": 10}
